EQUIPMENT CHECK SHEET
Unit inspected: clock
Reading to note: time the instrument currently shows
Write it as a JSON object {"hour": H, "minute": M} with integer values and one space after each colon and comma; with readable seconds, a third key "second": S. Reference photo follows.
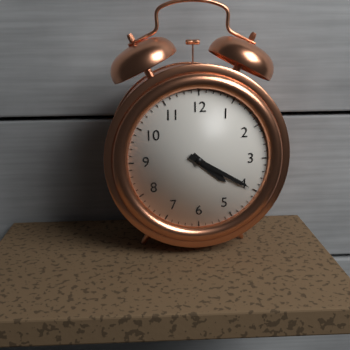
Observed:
{"hour": 4, "minute": 20}
